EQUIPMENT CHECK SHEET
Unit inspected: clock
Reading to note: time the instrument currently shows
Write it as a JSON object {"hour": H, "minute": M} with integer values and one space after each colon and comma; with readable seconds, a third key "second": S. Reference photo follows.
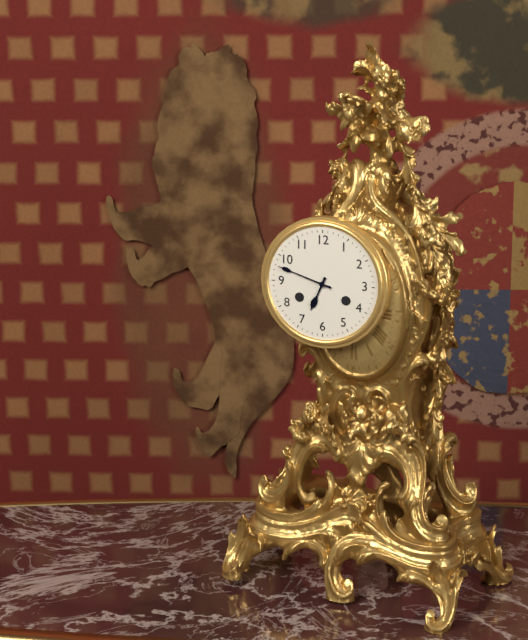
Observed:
{"hour": 6, "minute": 48}
